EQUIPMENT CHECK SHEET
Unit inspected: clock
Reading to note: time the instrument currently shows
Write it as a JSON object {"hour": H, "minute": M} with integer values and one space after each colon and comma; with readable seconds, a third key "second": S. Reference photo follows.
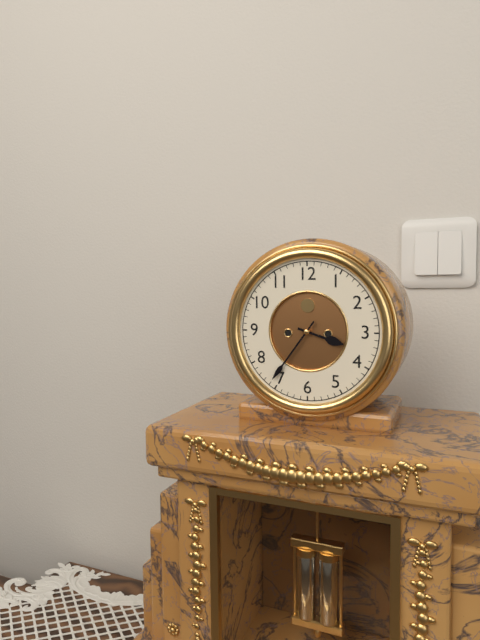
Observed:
{"hour": 3, "minute": 36}
